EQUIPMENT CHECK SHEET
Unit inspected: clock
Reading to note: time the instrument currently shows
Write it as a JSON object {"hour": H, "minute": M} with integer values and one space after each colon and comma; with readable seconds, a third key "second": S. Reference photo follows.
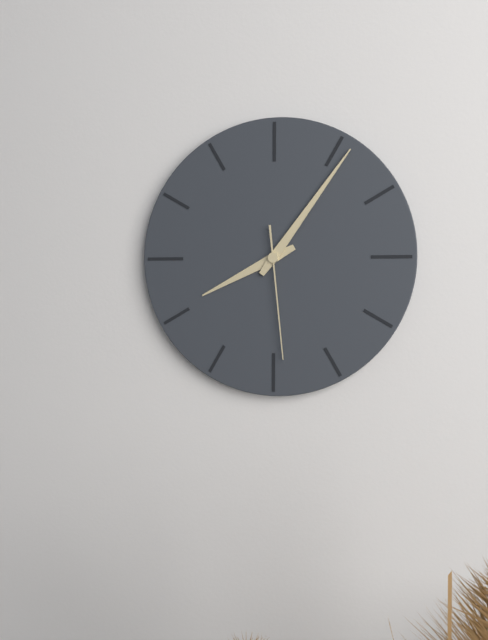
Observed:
{"hour": 8, "minute": 6, "second": 29}
